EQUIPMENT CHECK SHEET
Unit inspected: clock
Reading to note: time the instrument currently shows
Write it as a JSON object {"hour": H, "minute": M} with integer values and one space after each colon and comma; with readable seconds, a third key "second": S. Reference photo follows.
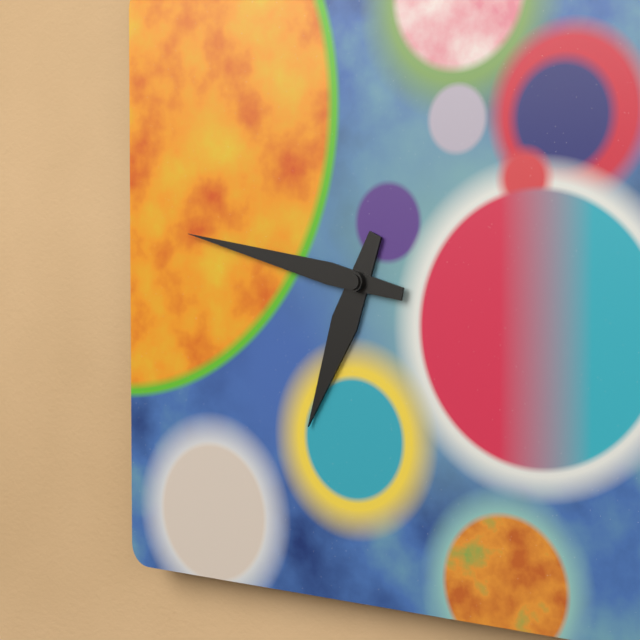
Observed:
{"hour": 6, "minute": 47}
